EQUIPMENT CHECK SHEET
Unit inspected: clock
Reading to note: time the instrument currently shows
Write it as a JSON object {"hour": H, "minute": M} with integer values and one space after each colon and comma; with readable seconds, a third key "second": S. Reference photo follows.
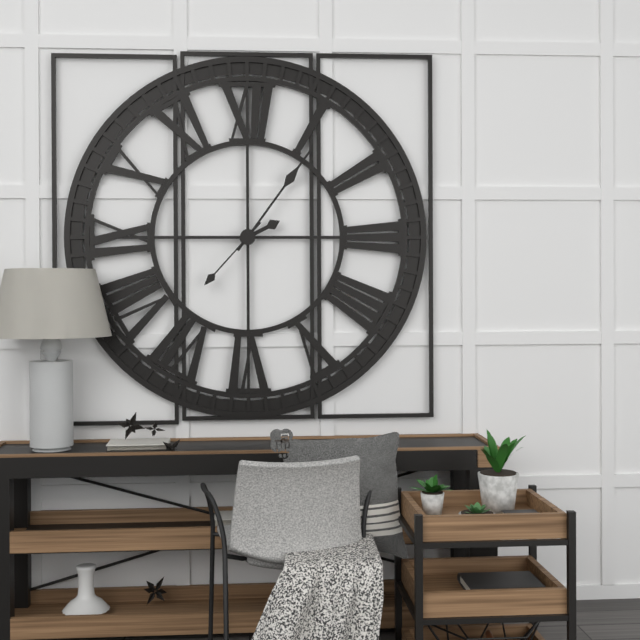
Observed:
{"hour": 2, "minute": 6, "second": 37}
